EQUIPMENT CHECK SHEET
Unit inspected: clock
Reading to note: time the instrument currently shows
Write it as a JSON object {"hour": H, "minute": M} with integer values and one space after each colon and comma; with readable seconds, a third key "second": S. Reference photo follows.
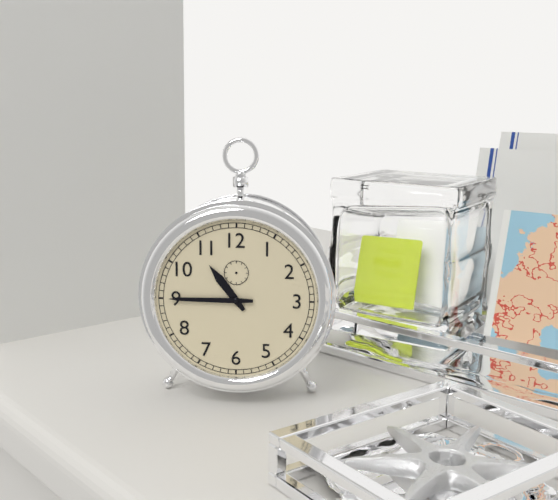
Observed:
{"hour": 10, "minute": 45}
